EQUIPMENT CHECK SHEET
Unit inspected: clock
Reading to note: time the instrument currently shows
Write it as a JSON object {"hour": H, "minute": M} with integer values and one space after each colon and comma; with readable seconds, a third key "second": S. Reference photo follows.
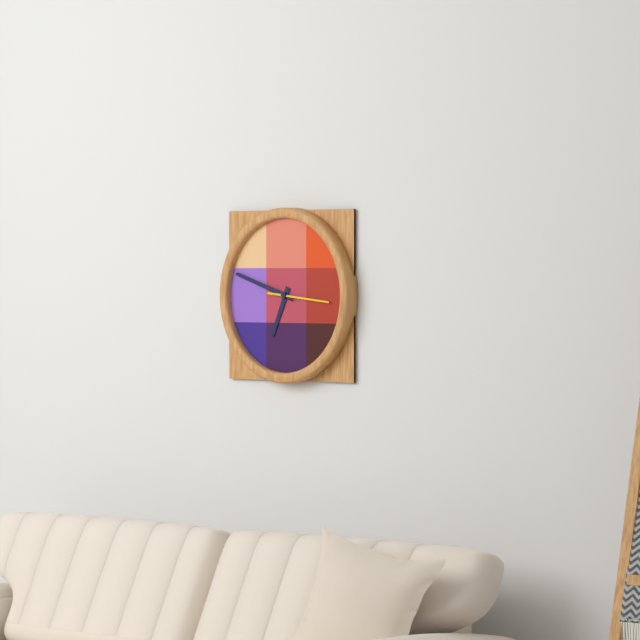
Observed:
{"hour": 6, "minute": 48, "second": 16}
